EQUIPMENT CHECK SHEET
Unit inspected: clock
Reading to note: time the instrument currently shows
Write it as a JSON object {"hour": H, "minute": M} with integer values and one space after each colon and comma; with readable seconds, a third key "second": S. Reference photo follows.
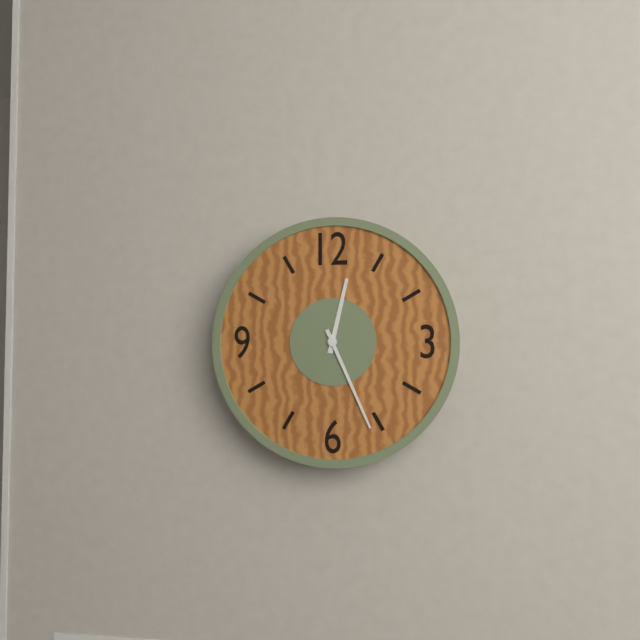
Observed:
{"hour": 12, "minute": 26}
